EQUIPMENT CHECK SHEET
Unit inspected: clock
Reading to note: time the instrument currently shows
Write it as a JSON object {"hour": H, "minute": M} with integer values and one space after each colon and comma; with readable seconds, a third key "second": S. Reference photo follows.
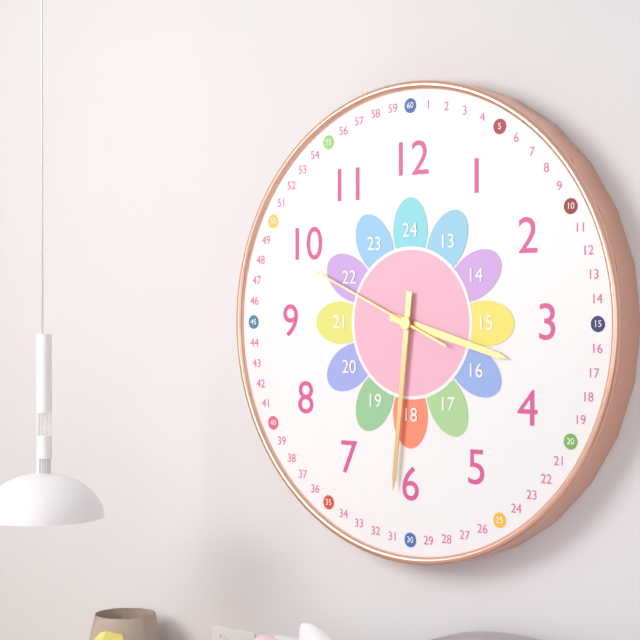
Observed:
{"hour": 3, "minute": 31, "second": 49}
